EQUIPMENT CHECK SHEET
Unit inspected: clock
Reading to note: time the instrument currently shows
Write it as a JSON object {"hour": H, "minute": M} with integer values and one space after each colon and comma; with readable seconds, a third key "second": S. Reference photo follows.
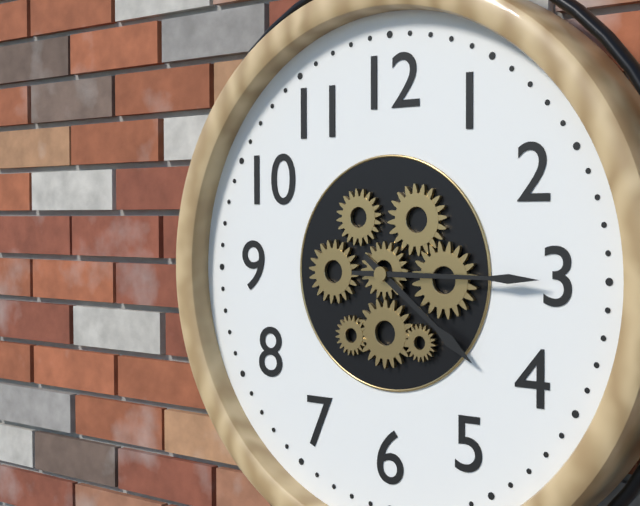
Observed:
{"hour": 4, "minute": 15}
